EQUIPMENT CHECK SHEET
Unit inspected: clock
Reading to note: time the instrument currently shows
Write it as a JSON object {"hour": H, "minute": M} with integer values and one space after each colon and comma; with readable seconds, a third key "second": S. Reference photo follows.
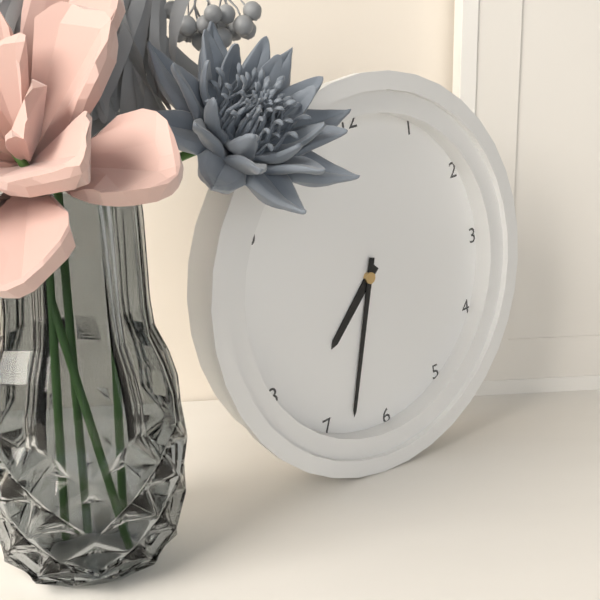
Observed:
{"hour": 7, "minute": 33}
